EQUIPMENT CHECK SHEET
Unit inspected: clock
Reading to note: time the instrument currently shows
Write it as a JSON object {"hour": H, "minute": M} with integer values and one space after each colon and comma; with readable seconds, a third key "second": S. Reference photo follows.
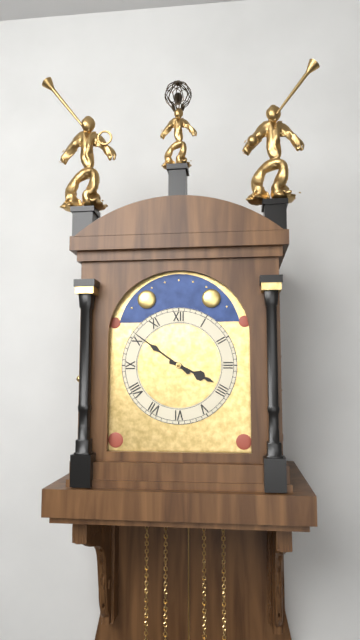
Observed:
{"hour": 3, "minute": 51}
